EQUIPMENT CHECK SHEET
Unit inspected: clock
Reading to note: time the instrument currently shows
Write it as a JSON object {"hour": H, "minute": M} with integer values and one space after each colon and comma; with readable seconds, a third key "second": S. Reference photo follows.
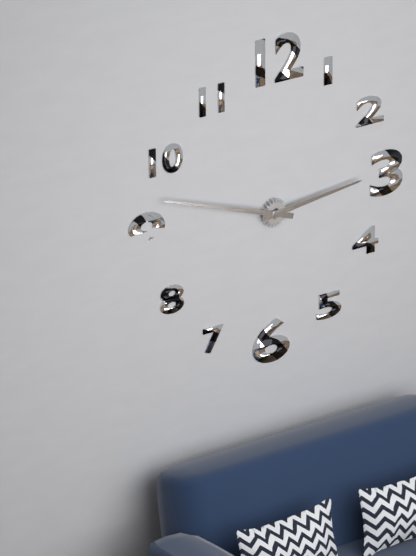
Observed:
{"hour": 2, "minute": 48}
